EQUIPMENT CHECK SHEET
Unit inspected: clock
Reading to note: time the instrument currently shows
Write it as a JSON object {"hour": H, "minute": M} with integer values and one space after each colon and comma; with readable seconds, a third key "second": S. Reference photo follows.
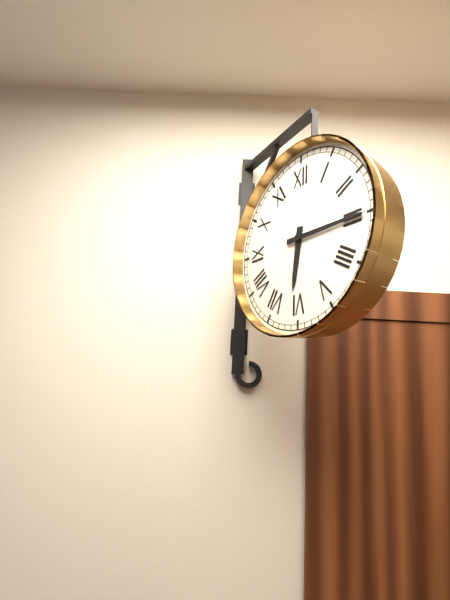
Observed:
{"hour": 6, "minute": 15}
